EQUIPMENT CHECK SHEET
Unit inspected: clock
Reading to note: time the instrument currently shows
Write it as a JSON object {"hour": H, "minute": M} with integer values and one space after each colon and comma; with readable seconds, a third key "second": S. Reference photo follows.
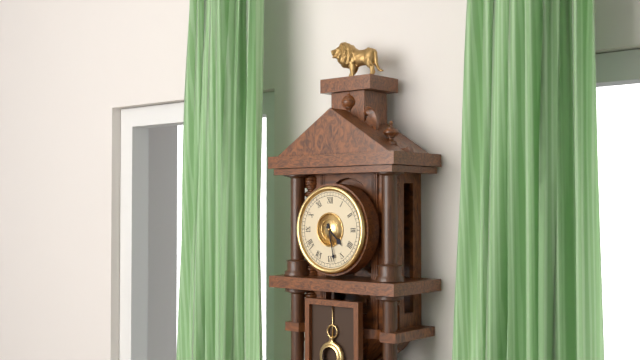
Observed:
{"hour": 4, "minute": 28}
